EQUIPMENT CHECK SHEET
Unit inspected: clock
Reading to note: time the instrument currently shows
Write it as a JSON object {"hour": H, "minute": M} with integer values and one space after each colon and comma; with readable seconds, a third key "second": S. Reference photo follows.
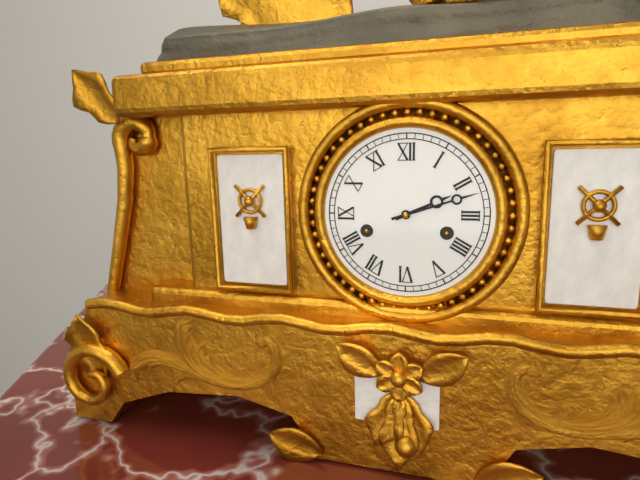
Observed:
{"hour": 2, "minute": 12}
